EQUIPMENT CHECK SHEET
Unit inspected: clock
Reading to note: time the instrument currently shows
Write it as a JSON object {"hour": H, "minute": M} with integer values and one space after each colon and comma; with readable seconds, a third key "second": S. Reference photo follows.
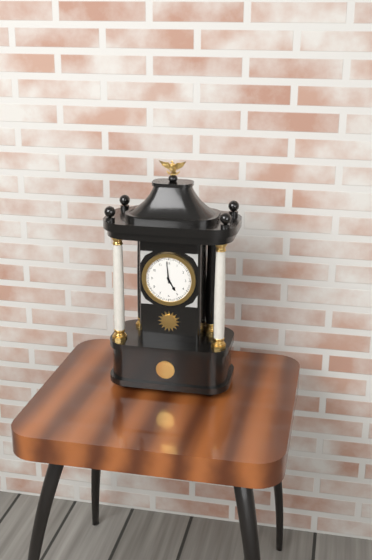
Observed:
{"hour": 4, "minute": 59}
